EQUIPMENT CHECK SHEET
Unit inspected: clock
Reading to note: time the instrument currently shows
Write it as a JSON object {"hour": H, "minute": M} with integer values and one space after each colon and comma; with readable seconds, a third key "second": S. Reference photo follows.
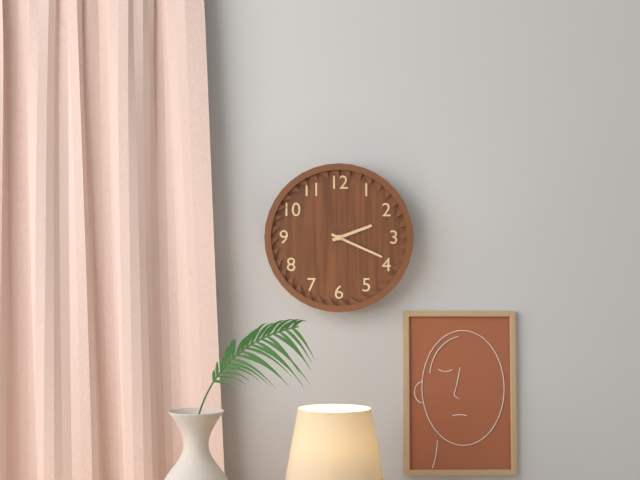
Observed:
{"hour": 2, "minute": 19}
